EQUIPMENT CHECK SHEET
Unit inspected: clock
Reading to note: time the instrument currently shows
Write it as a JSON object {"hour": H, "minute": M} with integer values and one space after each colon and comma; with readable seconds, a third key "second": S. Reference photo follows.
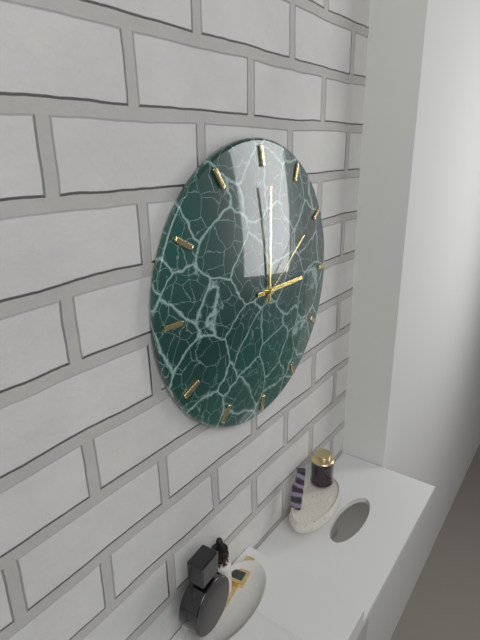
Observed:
{"hour": 3, "minute": 0, "second": 9}
